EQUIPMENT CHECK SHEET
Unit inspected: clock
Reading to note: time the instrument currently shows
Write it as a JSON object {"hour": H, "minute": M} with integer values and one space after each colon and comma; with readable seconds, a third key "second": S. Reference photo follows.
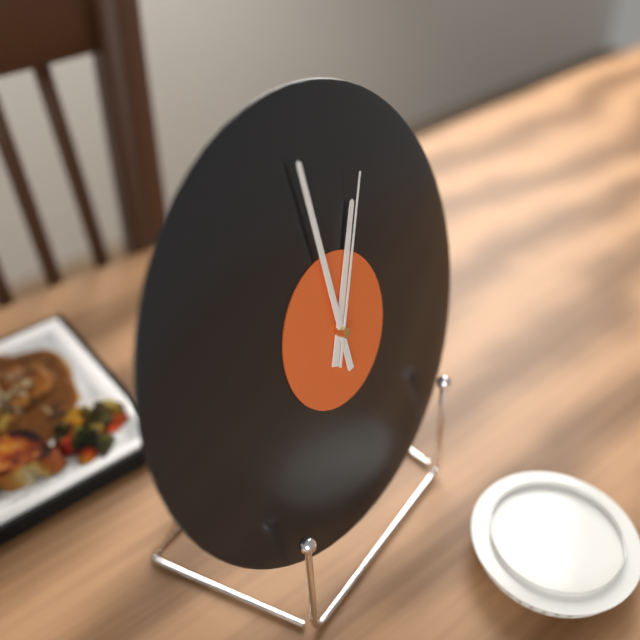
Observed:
{"hour": 1, "minute": 0, "second": 5}
